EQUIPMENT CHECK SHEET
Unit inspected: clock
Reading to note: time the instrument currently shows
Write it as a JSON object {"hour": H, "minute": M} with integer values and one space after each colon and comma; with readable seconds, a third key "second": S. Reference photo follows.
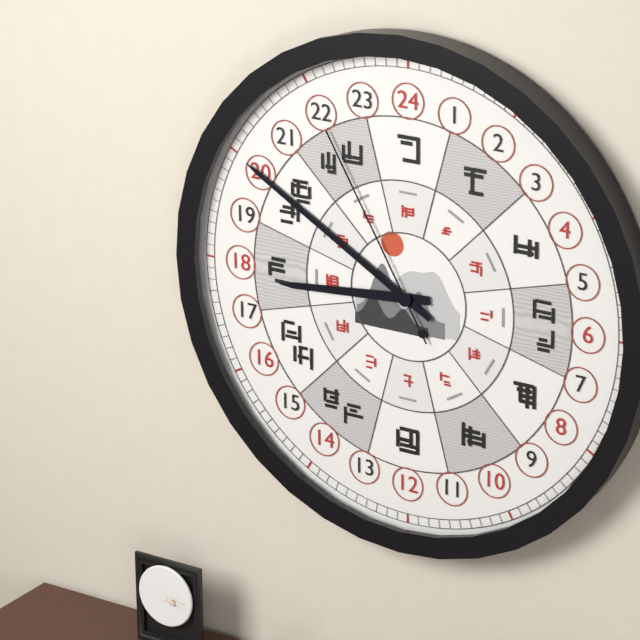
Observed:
{"hour": 8, "minute": 50, "second": 55}
